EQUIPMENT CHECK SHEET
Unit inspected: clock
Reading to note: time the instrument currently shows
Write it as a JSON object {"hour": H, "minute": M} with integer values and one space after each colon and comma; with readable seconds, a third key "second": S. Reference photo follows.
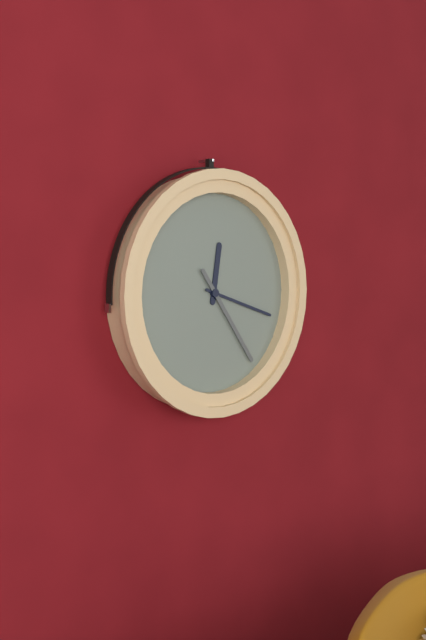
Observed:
{"hour": 12, "minute": 18, "second": 24}
